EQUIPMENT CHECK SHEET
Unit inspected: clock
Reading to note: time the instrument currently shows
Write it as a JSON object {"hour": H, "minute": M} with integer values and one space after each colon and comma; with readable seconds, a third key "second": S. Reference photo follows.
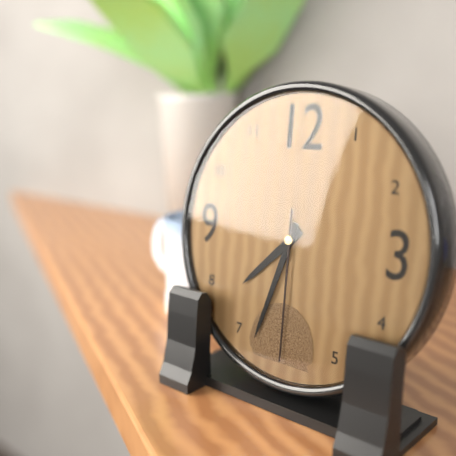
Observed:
{"hour": 7, "minute": 33, "second": 30}
